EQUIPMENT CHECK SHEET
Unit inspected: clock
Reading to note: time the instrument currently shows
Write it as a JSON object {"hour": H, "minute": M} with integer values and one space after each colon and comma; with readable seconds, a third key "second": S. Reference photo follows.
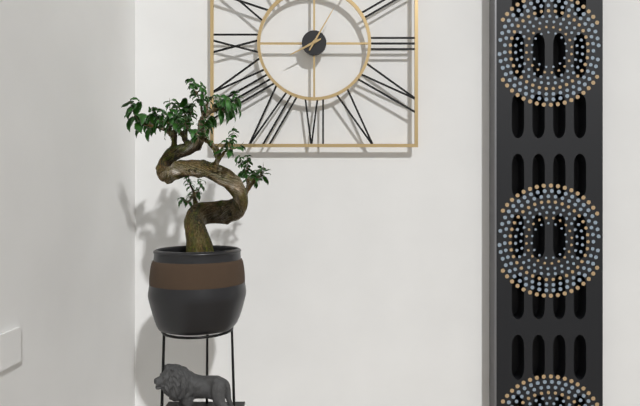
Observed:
{"hour": 8, "minute": 5}
